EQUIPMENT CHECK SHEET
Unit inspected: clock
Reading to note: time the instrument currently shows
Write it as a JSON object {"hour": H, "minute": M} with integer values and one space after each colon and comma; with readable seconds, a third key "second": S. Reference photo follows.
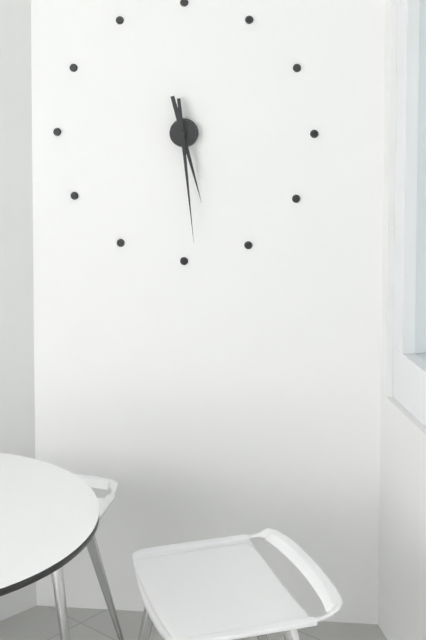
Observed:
{"hour": 5, "minute": 29}
